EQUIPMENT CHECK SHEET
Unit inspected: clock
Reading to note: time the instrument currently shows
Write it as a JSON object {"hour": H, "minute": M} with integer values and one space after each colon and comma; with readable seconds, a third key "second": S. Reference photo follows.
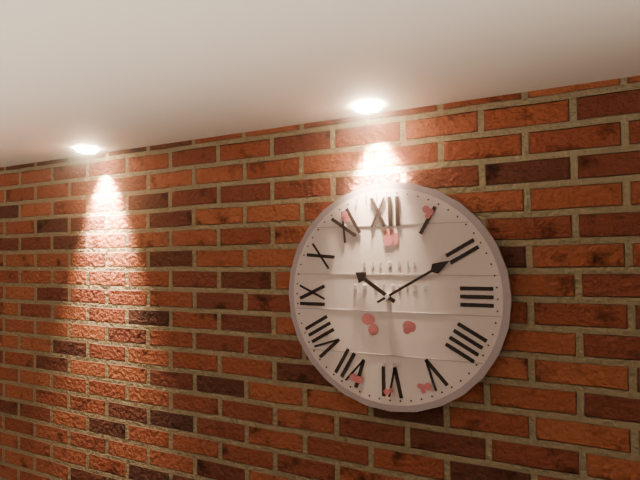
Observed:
{"hour": 10, "minute": 10}
